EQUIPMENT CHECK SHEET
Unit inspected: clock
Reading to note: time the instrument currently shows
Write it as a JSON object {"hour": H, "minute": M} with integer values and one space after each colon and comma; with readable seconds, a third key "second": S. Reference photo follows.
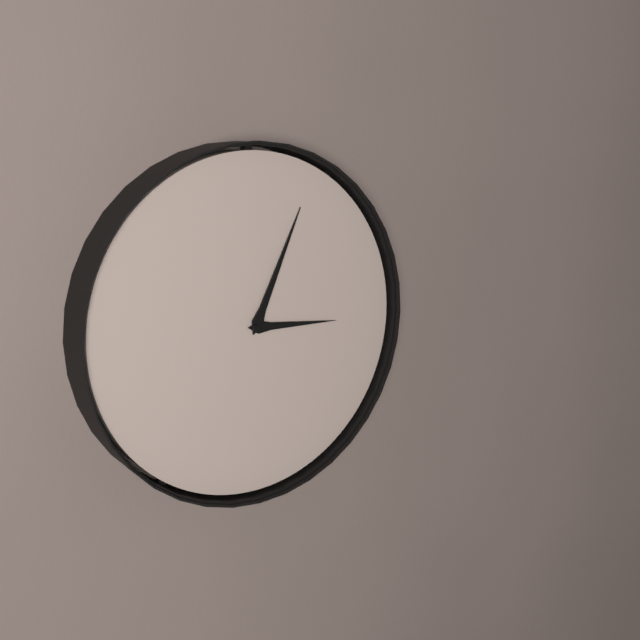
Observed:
{"hour": 3, "minute": 4}
